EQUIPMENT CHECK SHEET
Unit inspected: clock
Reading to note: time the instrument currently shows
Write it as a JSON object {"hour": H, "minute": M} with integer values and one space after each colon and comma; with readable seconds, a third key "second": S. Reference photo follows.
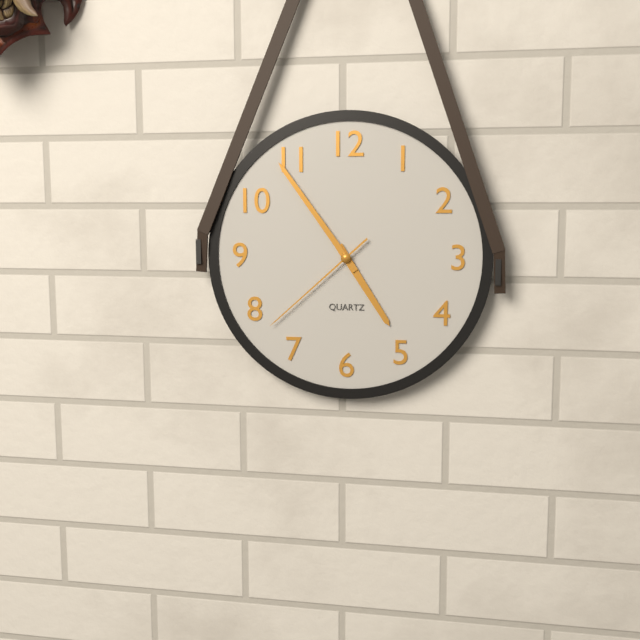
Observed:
{"hour": 4, "minute": 54, "second": 38}
